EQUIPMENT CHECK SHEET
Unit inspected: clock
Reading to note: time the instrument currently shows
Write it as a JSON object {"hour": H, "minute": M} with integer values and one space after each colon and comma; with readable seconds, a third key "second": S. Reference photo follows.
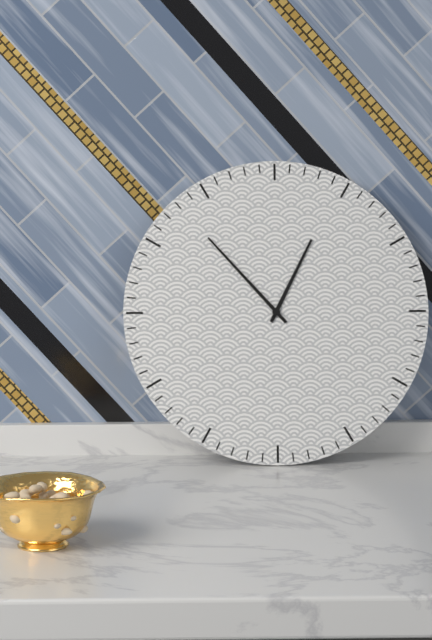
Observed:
{"hour": 12, "minute": 53}
